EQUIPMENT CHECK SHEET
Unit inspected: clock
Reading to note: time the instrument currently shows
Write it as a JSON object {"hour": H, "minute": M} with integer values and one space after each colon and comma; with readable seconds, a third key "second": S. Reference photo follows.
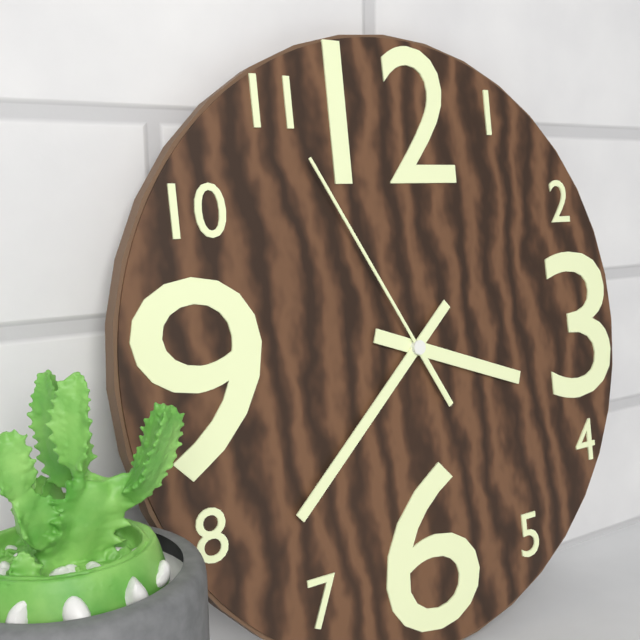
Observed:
{"hour": 3, "minute": 38, "second": 55}
